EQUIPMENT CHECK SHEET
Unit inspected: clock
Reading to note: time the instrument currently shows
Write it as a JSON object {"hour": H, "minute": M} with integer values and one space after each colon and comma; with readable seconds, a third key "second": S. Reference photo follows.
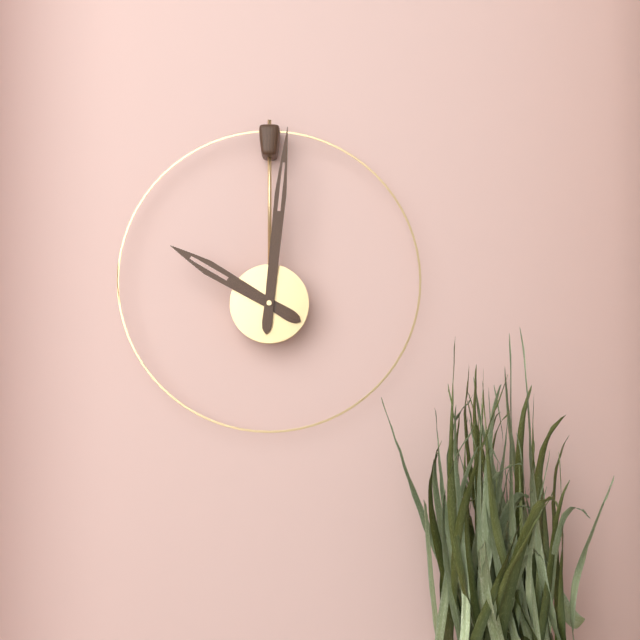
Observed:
{"hour": 10, "minute": 1}
